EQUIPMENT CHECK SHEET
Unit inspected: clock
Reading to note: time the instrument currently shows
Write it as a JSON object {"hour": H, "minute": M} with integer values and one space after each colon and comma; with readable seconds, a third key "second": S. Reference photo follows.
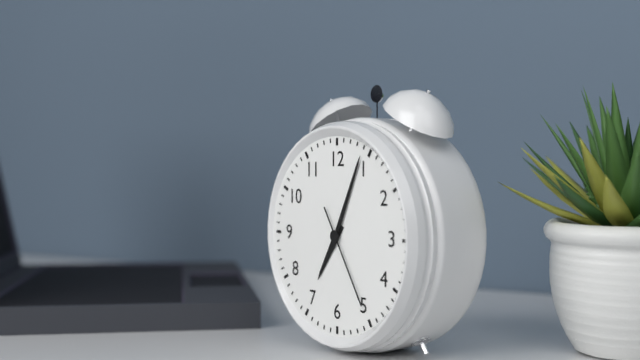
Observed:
{"hour": 7, "minute": 4, "second": 25}
